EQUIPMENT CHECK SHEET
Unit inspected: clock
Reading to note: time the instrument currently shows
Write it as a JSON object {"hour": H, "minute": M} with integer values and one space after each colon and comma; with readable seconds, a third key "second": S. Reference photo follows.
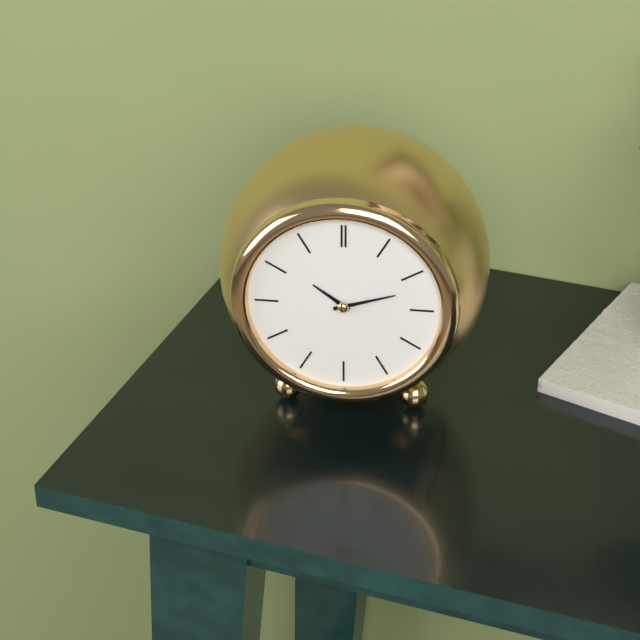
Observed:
{"hour": 10, "minute": 12}
